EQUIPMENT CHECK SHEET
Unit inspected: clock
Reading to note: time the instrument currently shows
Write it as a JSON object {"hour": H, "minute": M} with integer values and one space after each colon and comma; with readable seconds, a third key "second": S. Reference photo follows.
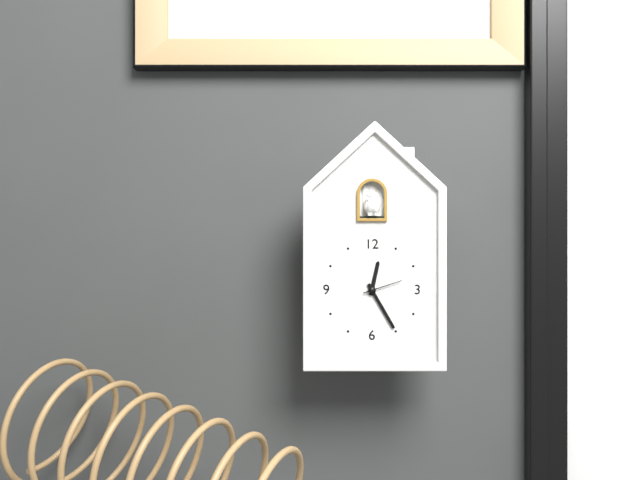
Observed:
{"hour": 12, "minute": 25}
